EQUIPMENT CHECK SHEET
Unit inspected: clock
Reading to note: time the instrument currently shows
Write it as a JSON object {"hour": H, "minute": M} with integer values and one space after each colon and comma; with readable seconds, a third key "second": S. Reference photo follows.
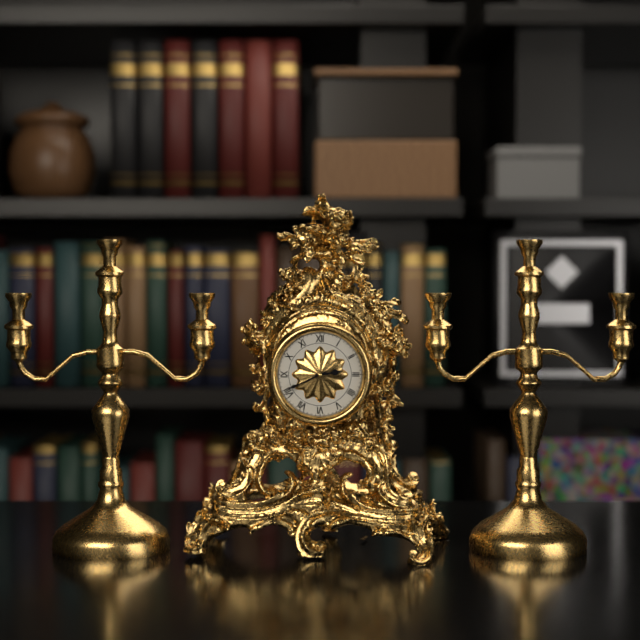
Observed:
{"hour": 2, "minute": 41}
